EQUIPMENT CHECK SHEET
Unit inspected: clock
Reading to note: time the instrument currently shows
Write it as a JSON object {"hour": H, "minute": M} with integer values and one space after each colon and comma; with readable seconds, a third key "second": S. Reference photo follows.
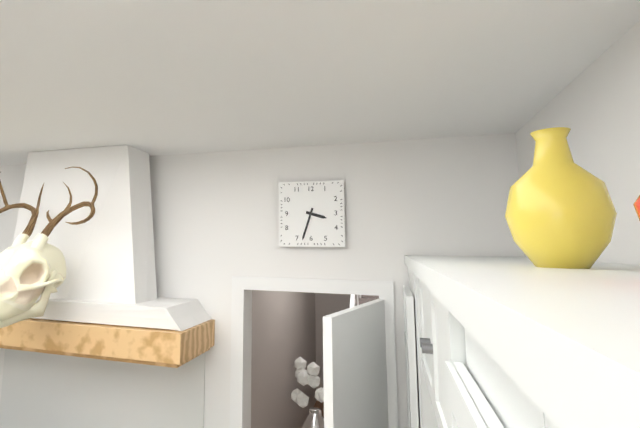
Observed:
{"hour": 3, "minute": 33}
